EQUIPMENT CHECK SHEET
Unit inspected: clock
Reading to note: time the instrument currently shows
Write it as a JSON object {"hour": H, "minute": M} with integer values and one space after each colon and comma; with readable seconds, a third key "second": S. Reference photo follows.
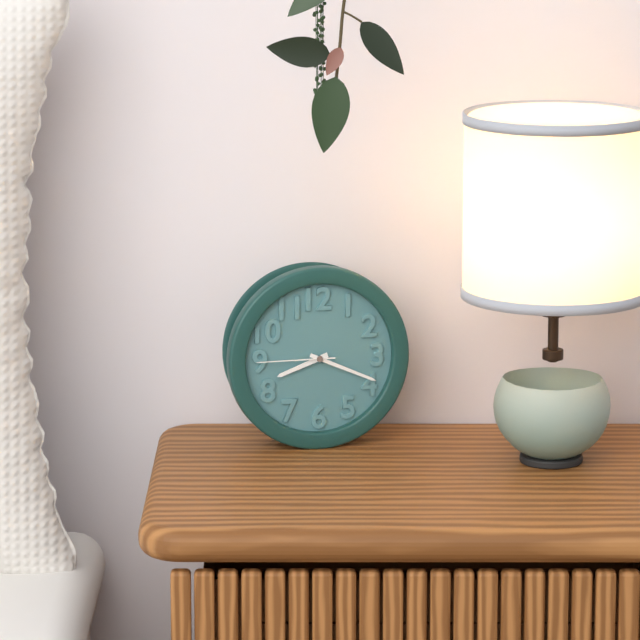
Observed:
{"hour": 8, "minute": 19, "second": 45}
